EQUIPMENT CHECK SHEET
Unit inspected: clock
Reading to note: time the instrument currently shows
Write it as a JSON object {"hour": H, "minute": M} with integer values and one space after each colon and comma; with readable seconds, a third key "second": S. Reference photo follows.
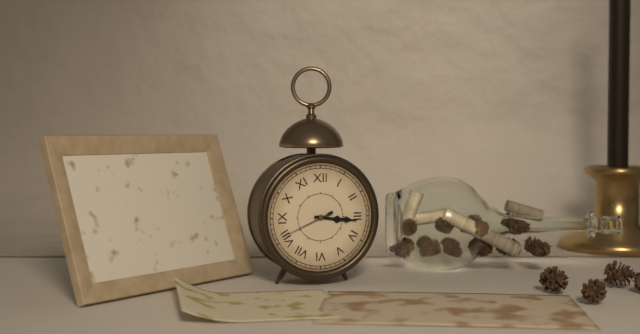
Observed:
{"hour": 3, "minute": 16, "second": 41}
